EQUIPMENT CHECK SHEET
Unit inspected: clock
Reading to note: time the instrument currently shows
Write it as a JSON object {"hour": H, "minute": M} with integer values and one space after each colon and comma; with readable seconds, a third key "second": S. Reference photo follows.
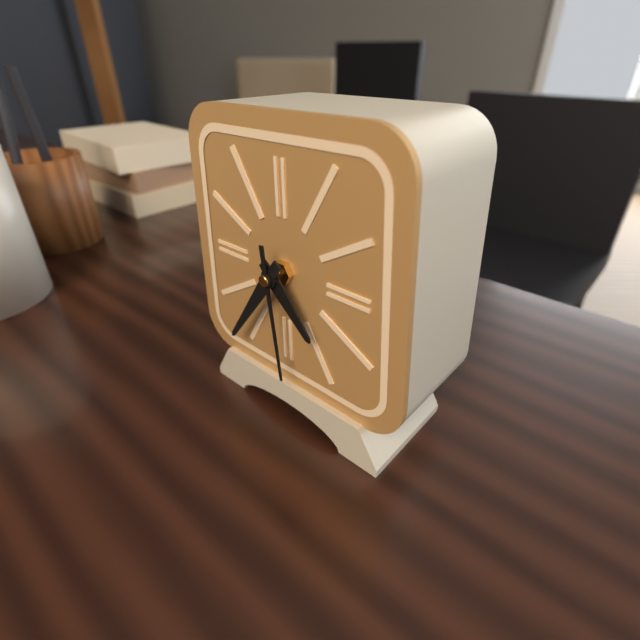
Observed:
{"hour": 4, "minute": 36, "second": 29}
